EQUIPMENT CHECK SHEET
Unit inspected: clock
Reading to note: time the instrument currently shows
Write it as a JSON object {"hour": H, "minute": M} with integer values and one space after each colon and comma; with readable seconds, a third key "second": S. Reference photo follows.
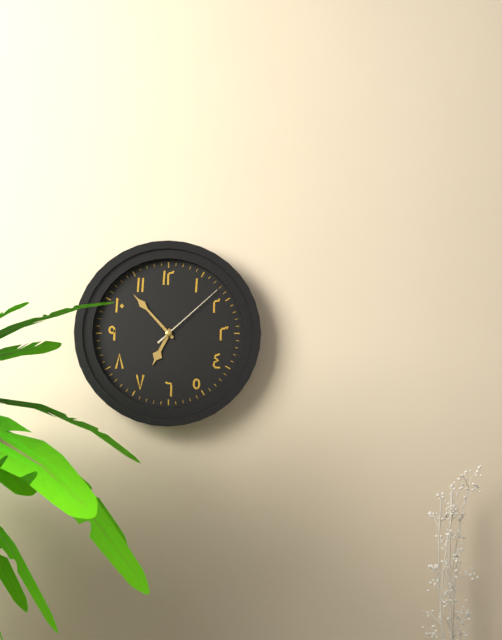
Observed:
{"hour": 6, "minute": 53, "second": 8}
